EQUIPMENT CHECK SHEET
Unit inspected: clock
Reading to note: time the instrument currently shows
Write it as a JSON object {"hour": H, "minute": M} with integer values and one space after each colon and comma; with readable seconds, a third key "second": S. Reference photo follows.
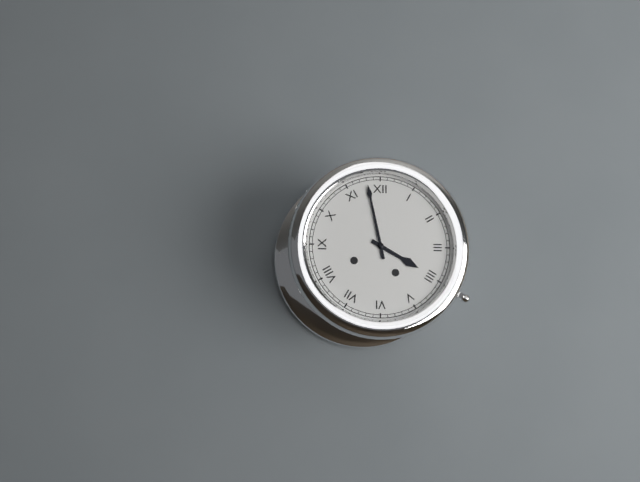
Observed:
{"hour": 3, "minute": 58}
